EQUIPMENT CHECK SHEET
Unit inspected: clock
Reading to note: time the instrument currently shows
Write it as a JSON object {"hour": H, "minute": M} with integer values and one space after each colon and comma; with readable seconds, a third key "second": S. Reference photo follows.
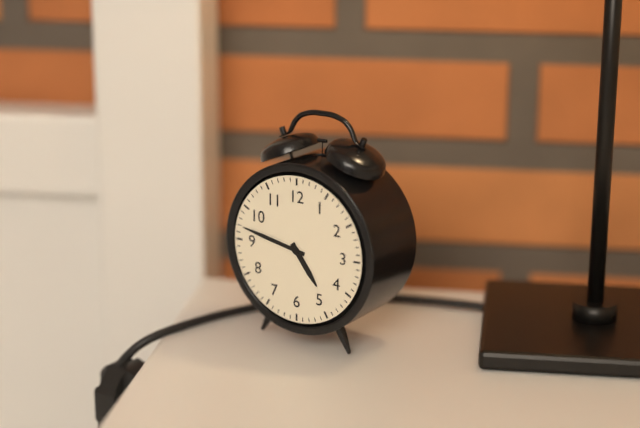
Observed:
{"hour": 4, "minute": 47}
